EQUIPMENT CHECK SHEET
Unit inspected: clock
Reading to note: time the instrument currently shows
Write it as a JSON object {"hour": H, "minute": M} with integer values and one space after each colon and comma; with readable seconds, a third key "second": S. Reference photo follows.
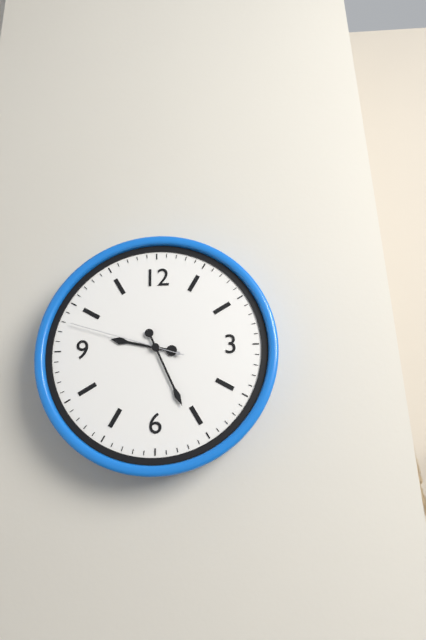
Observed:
{"hour": 9, "minute": 26, "second": 48}
